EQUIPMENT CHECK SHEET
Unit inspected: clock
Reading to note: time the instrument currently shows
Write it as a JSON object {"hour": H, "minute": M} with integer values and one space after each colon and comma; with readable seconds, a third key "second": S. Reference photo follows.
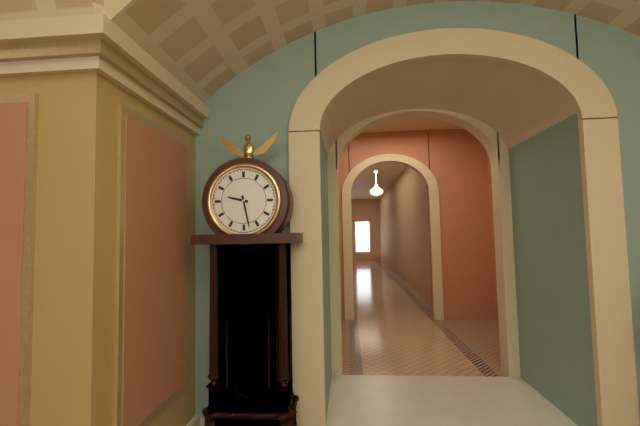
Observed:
{"hour": 9, "minute": 28}
